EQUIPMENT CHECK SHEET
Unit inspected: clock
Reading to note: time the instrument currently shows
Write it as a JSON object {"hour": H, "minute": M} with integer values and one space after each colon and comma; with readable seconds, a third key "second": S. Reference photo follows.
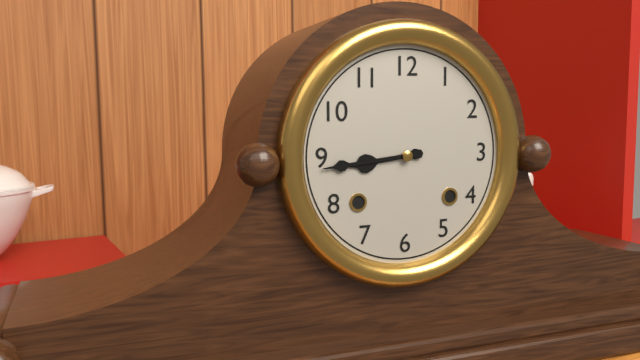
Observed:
{"hour": 8, "minute": 44}
